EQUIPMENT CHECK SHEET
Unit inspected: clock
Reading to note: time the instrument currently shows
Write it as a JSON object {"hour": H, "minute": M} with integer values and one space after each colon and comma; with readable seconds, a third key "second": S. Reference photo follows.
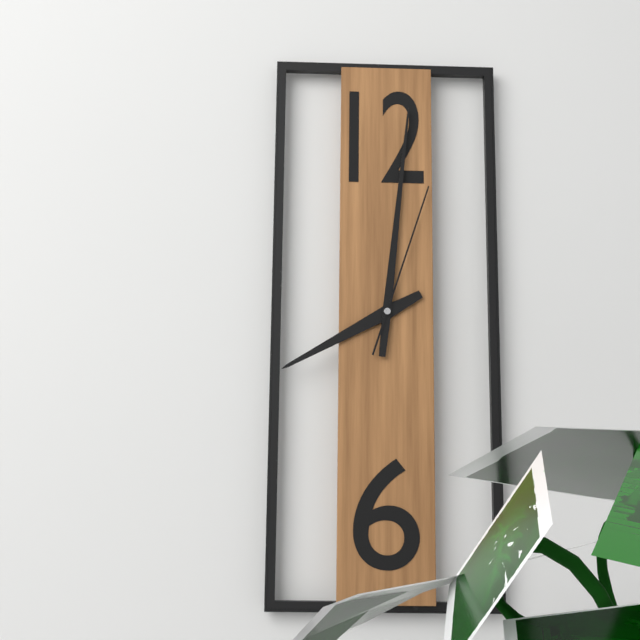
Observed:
{"hour": 8, "minute": 1, "second": 3}
